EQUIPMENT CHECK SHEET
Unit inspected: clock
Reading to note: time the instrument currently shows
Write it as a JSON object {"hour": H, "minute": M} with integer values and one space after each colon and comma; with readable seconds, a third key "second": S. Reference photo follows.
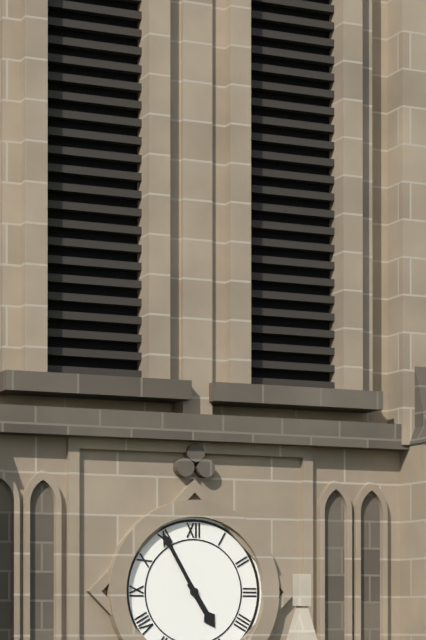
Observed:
{"hour": 4, "minute": 55}
